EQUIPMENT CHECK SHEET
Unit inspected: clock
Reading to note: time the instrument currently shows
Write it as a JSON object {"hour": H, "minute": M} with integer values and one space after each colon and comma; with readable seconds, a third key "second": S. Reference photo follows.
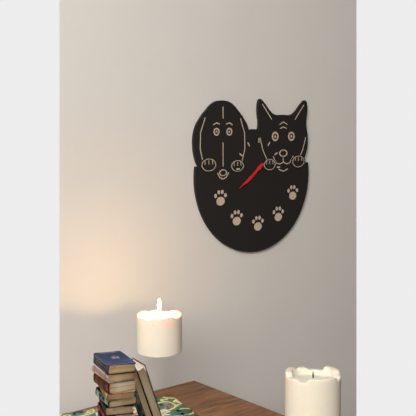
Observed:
{"hour": 7, "minute": 39}
